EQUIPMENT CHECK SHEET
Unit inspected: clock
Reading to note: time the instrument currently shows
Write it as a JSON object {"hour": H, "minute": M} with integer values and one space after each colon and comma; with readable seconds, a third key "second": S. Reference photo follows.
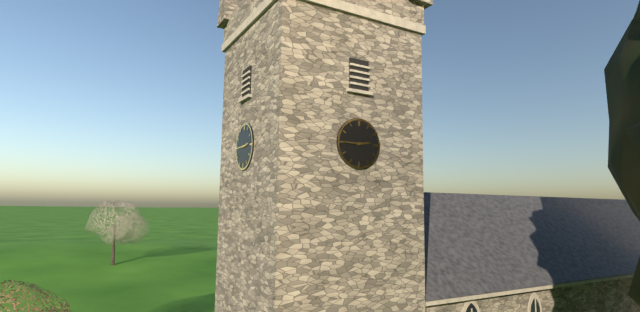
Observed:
{"hour": 2, "minute": 45}
